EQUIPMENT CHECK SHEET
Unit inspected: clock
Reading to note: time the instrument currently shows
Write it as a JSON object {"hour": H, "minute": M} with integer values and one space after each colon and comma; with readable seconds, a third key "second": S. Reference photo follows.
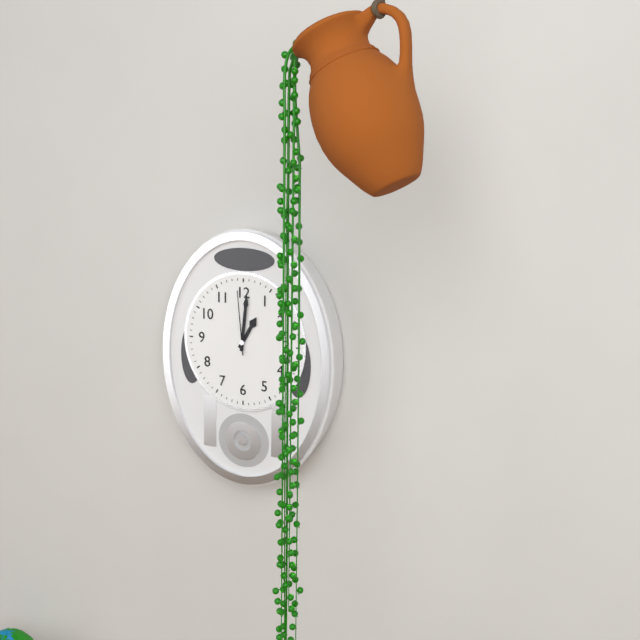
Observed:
{"hour": 1, "minute": 1, "second": 59}
